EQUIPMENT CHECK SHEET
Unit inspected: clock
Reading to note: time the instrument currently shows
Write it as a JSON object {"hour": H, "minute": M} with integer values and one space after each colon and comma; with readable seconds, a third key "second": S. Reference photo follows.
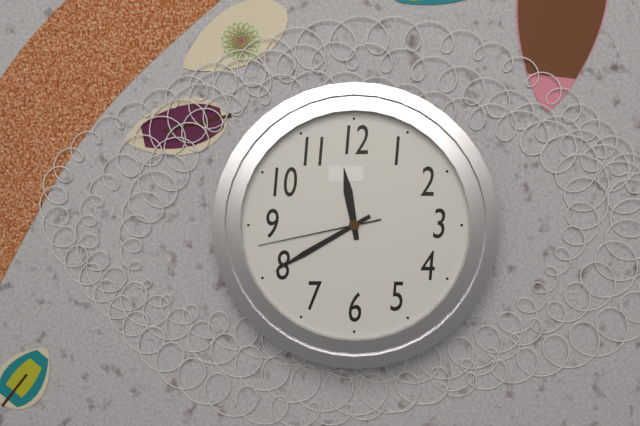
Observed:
{"hour": 11, "minute": 40, "second": 43}
